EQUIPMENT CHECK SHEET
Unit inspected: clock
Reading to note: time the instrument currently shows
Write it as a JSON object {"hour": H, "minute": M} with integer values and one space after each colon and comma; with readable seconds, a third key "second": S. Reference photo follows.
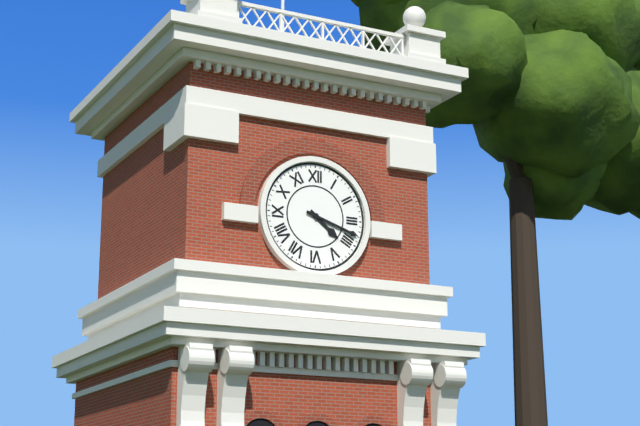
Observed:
{"hour": 4, "minute": 18}
